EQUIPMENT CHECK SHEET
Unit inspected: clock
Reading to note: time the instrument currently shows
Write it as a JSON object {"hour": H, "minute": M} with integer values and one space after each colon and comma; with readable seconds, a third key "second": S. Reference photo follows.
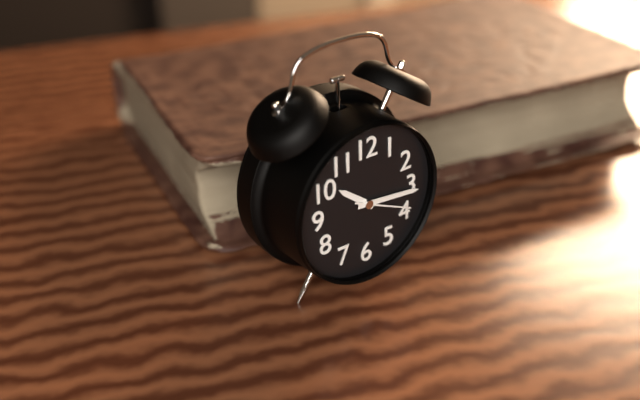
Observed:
{"hour": 10, "minute": 16, "second": 19}
